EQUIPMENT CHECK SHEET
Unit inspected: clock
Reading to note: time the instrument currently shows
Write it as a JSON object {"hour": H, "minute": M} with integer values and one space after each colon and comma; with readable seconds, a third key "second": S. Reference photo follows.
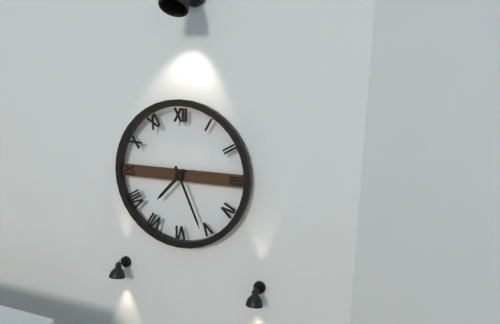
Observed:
{"hour": 7, "minute": 26}
